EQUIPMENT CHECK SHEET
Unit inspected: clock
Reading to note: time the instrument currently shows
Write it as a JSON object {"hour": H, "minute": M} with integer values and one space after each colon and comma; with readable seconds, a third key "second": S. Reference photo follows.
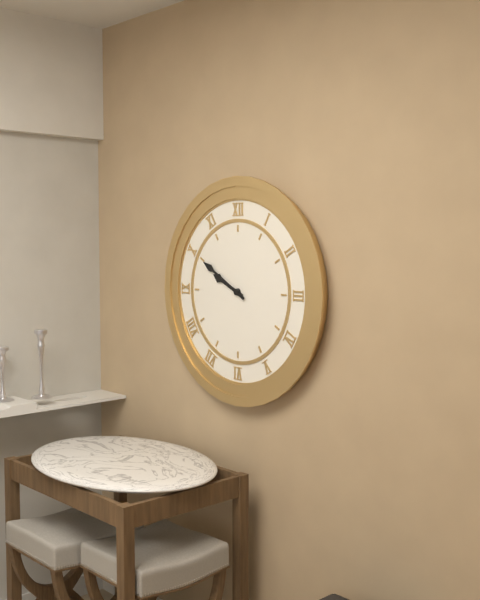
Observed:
{"hour": 9, "minute": 50}
